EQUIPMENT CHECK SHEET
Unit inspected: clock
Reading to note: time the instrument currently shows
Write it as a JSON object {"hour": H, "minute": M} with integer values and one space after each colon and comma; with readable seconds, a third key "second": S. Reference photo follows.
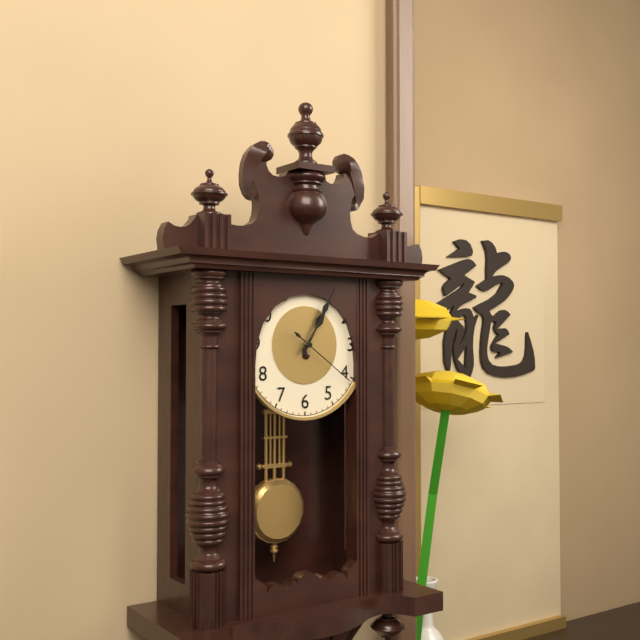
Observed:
{"hour": 1, "minute": 5, "second": 21}
